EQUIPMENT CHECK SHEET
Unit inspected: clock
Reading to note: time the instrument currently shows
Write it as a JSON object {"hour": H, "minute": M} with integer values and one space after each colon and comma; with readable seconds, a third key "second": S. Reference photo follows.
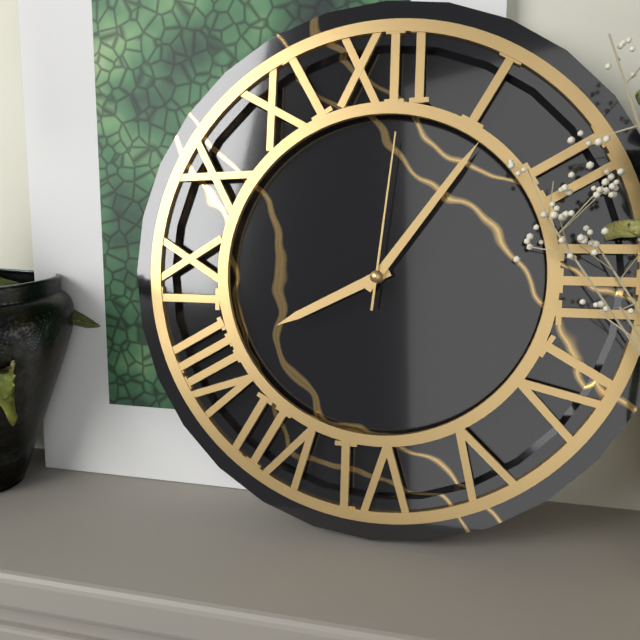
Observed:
{"hour": 8, "minute": 6, "second": 1}
